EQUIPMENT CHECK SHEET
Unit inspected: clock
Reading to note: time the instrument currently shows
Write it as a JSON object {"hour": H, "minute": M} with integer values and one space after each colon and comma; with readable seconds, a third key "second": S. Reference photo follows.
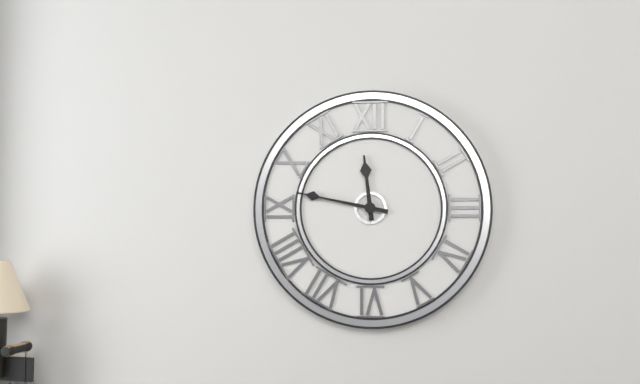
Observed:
{"hour": 11, "minute": 47}
